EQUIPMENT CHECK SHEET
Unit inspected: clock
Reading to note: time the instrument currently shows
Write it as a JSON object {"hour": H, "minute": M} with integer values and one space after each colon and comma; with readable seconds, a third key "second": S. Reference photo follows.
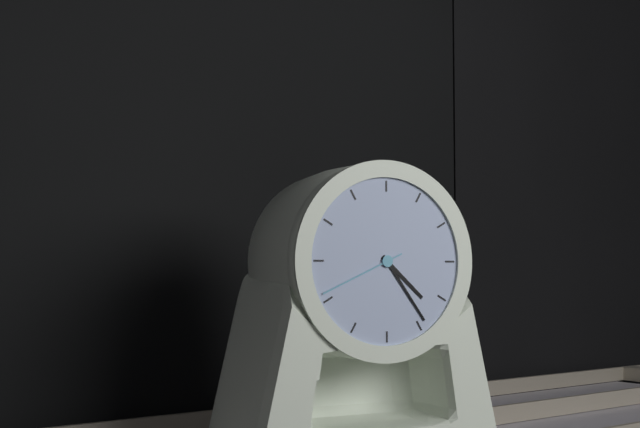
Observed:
{"hour": 4, "minute": 24, "second": 41}
